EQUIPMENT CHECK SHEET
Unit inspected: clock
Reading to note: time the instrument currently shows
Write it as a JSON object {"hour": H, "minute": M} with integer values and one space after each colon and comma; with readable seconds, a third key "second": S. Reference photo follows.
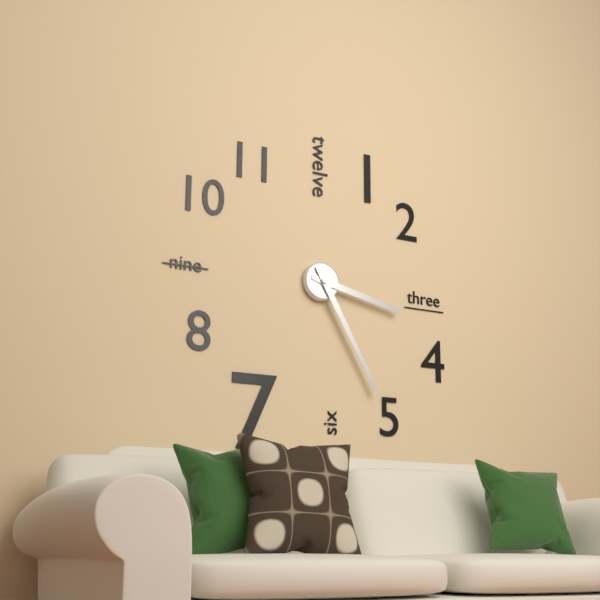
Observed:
{"hour": 3, "minute": 25}
